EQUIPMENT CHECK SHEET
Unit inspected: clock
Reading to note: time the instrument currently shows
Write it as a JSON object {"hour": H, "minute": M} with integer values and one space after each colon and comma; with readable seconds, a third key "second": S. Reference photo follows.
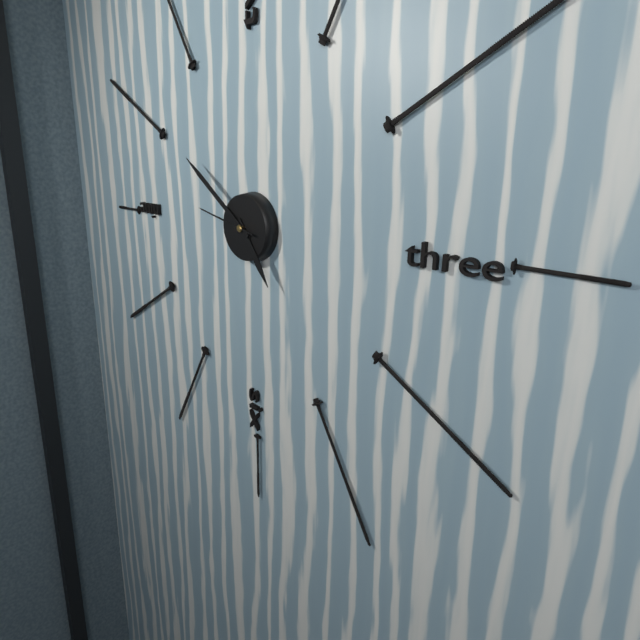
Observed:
{"hour": 4, "minute": 51, "second": 47}
